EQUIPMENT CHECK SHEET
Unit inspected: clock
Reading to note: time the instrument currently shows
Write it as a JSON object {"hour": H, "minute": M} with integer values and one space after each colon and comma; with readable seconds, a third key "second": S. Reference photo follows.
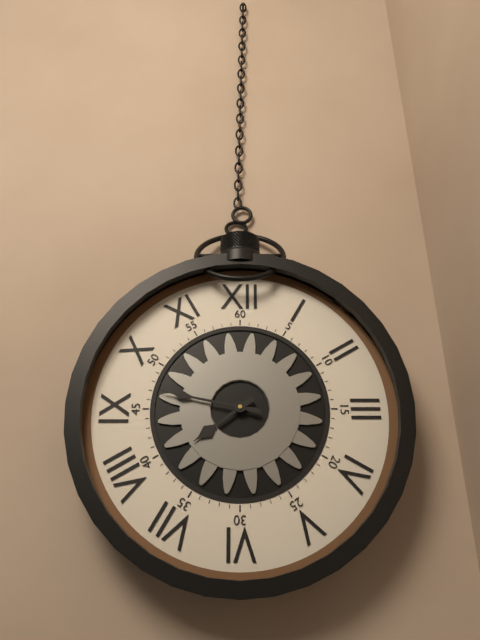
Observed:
{"hour": 7, "minute": 47}
